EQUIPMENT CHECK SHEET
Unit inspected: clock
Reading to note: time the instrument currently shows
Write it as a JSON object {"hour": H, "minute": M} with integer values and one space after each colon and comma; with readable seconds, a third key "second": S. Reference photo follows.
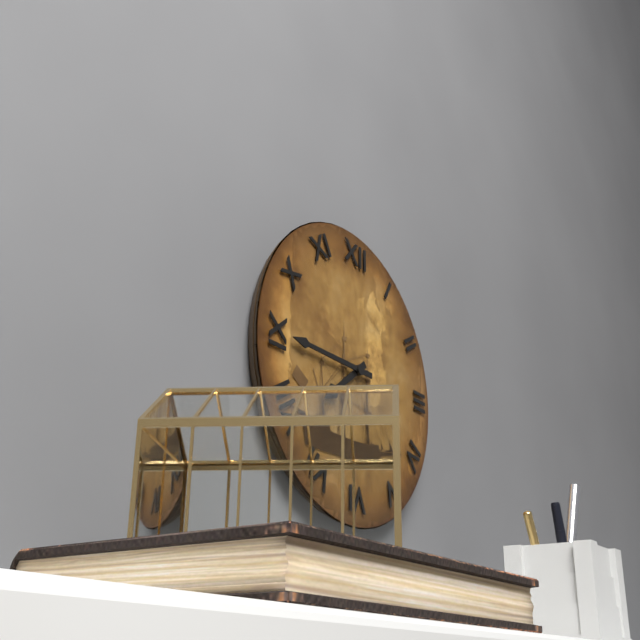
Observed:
{"hour": 7, "minute": 45}
